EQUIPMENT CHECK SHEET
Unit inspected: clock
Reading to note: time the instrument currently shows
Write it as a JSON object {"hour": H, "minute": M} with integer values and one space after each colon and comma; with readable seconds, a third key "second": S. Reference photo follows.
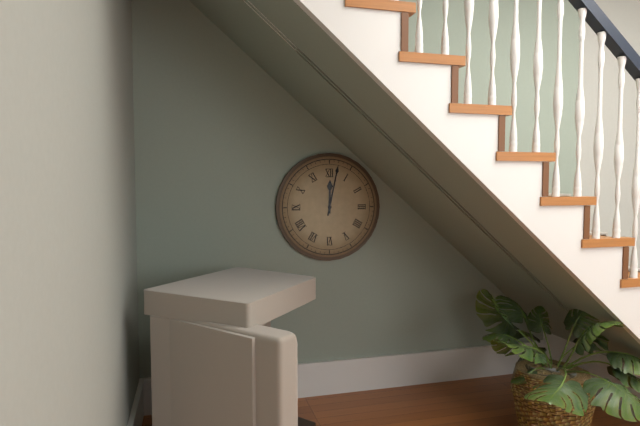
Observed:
{"hour": 12, "minute": 2}
